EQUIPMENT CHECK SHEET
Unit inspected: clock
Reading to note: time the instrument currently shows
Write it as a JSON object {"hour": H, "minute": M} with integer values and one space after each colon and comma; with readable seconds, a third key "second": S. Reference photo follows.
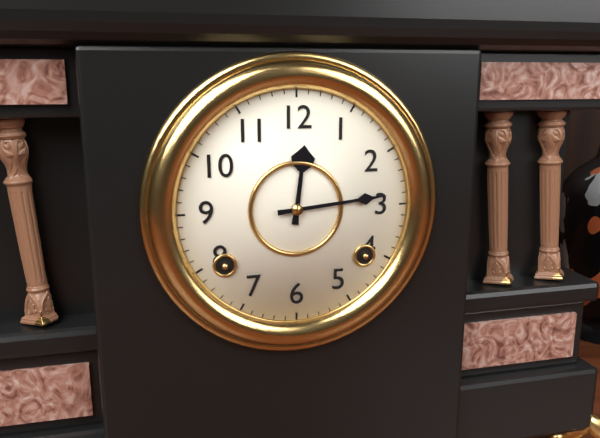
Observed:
{"hour": 12, "minute": 14}
